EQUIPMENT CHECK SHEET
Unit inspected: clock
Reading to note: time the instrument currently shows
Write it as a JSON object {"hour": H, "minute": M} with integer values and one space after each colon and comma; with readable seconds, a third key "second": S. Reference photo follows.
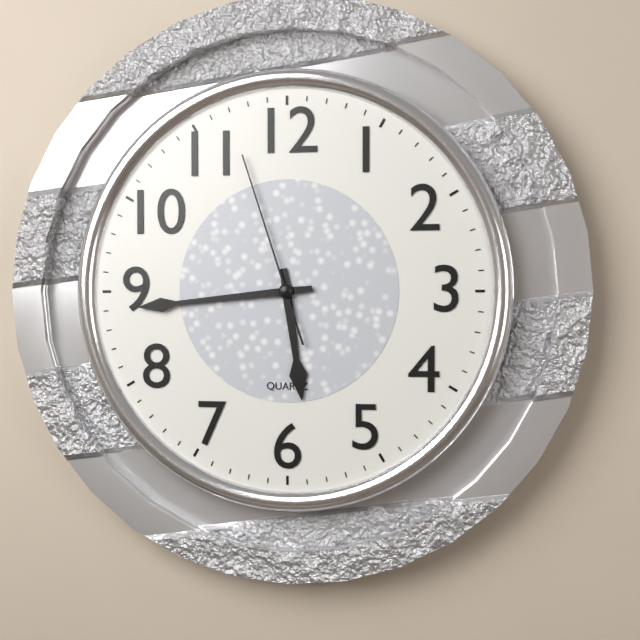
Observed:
{"hour": 5, "minute": 44, "second": 57}
